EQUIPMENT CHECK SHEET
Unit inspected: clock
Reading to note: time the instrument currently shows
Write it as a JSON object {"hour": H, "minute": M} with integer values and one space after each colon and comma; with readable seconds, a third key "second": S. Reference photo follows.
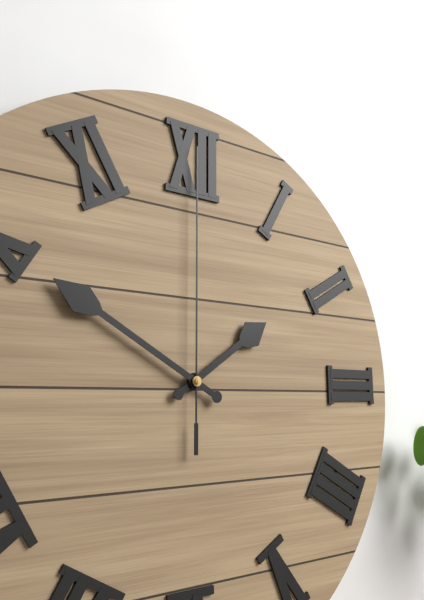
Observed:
{"hour": 1, "minute": 50, "second": 0}
